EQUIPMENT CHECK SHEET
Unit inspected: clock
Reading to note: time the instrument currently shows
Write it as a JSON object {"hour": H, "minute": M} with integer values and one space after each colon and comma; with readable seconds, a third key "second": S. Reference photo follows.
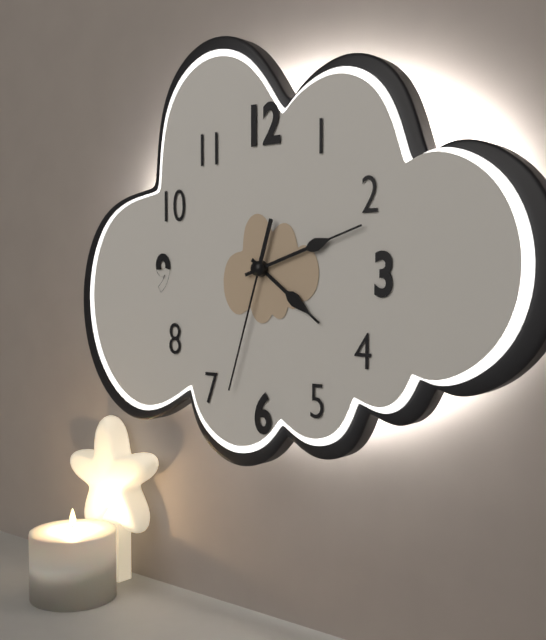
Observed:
{"hour": 4, "minute": 12, "second": 33}
